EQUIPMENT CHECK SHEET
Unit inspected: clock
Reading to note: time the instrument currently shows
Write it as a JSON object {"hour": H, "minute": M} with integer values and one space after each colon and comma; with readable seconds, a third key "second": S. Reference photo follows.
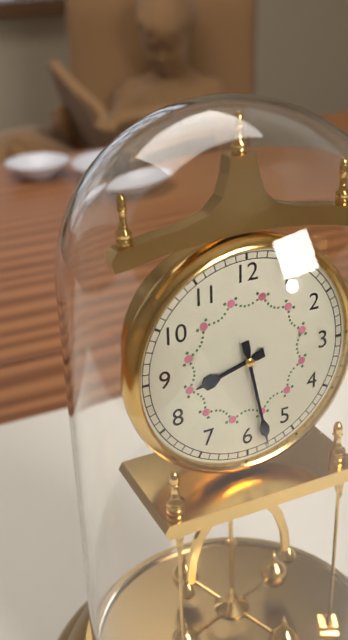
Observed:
{"hour": 8, "minute": 28}
